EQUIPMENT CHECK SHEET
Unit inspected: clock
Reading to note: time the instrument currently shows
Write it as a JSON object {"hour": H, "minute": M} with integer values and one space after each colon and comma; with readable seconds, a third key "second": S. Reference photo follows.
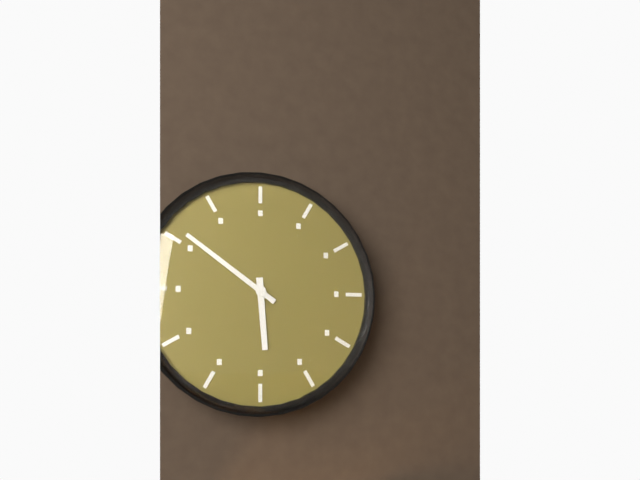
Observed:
{"hour": 5, "minute": 51}
